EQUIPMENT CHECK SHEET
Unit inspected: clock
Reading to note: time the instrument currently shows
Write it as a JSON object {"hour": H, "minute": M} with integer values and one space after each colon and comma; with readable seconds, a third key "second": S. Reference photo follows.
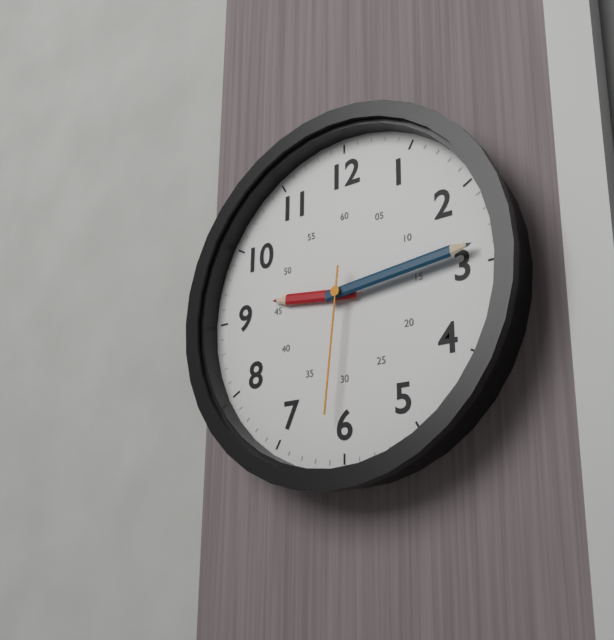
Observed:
{"hour": 9, "minute": 14, "second": 31}
